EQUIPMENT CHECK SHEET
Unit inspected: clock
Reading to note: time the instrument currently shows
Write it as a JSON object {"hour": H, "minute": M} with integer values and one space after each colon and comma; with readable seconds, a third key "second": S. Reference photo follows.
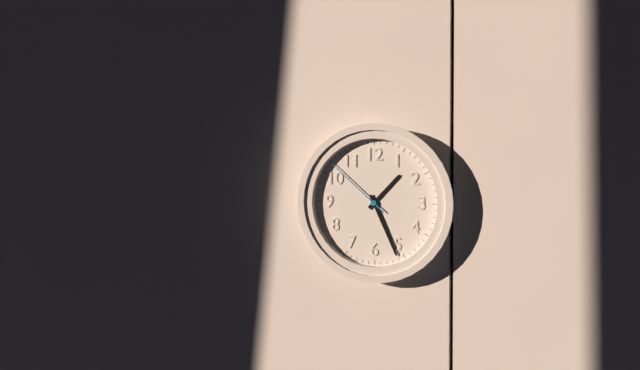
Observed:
{"hour": 1, "minute": 26, "second": 52}
